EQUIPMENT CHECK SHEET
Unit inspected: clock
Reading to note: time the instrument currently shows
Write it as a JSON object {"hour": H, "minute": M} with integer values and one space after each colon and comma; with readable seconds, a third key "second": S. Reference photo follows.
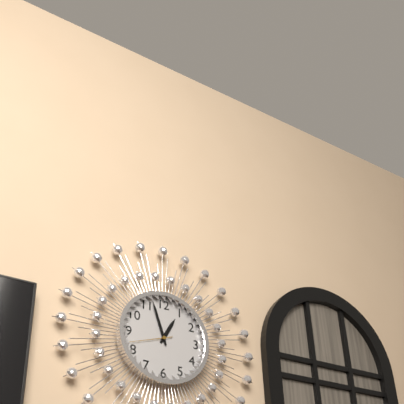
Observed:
{"hour": 12, "minute": 57}
